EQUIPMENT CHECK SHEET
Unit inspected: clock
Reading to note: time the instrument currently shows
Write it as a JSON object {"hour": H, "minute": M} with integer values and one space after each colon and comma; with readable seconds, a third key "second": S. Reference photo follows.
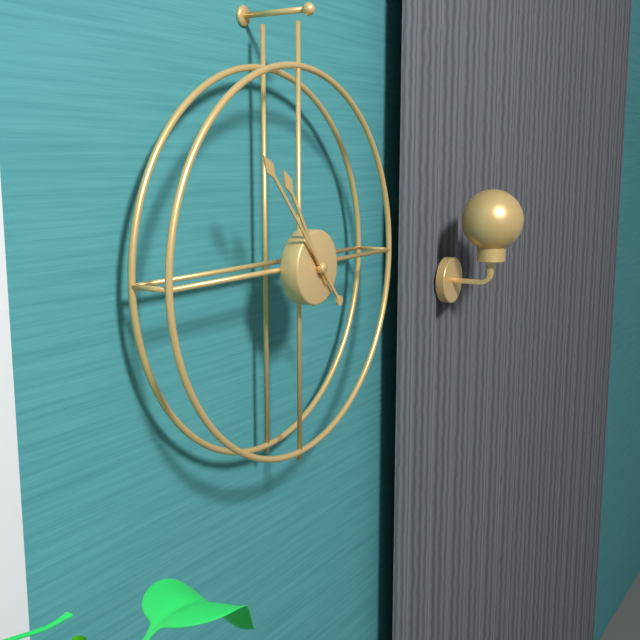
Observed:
{"hour": 10, "minute": 53}
